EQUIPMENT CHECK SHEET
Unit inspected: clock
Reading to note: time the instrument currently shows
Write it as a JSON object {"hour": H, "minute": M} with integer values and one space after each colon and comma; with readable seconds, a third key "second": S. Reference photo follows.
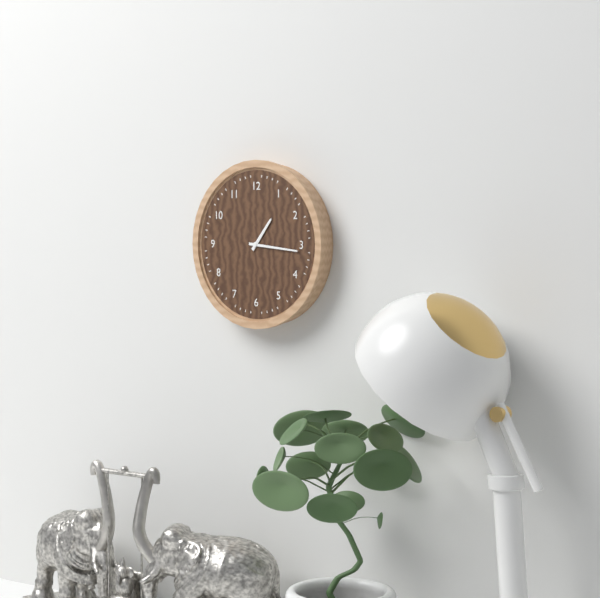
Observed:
{"hour": 1, "minute": 16}
